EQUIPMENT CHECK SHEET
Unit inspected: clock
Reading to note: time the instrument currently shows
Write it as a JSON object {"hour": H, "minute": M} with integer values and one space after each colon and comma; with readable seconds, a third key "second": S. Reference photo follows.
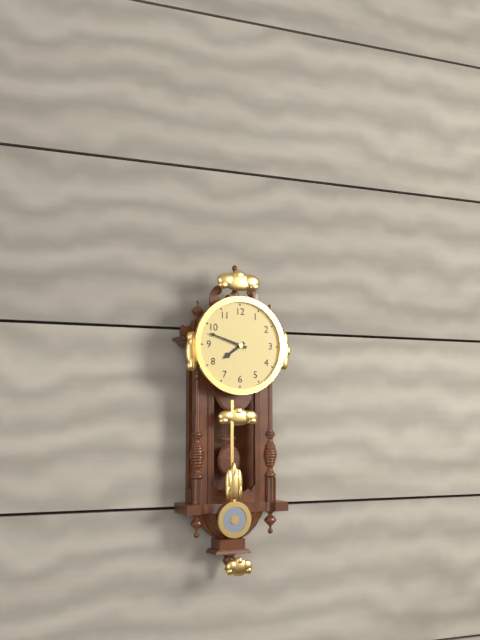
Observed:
{"hour": 7, "minute": 48}
